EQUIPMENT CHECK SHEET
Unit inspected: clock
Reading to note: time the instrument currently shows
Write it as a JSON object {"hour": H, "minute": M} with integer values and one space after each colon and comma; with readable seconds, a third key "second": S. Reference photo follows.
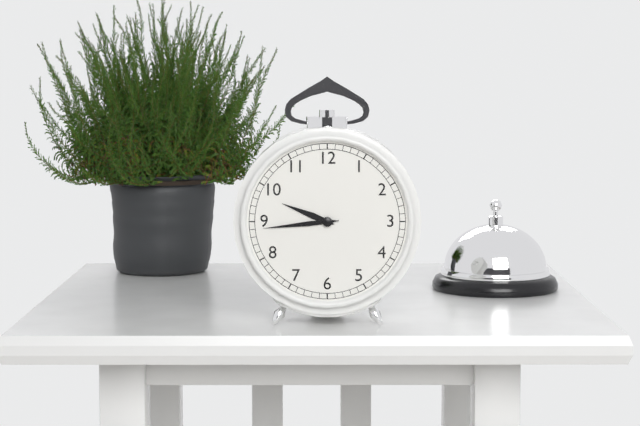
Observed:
{"hour": 9, "minute": 44, "second": 44}
